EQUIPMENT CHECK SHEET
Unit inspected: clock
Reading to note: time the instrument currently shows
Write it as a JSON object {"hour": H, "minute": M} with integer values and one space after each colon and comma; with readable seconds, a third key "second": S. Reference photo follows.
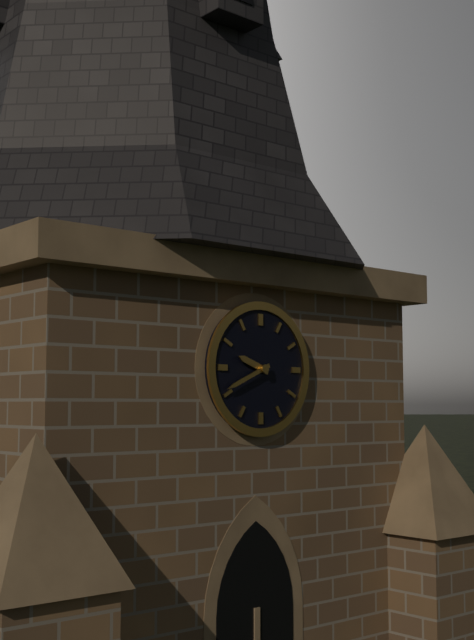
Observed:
{"hour": 9, "minute": 41}
